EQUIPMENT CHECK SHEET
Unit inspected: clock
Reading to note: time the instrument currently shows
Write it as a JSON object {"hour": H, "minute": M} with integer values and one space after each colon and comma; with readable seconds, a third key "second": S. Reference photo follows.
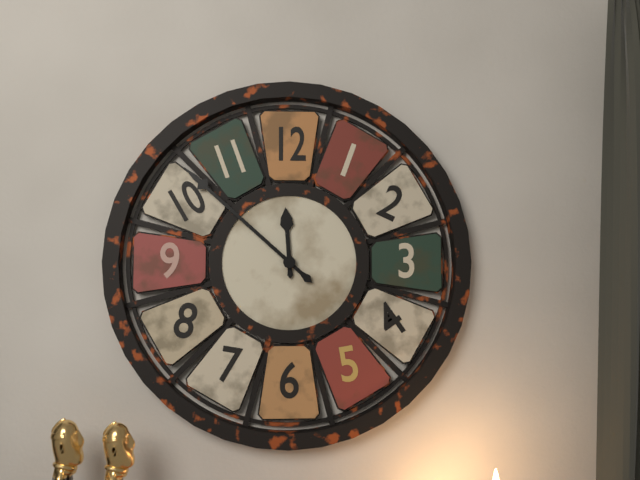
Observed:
{"hour": 11, "minute": 52}
